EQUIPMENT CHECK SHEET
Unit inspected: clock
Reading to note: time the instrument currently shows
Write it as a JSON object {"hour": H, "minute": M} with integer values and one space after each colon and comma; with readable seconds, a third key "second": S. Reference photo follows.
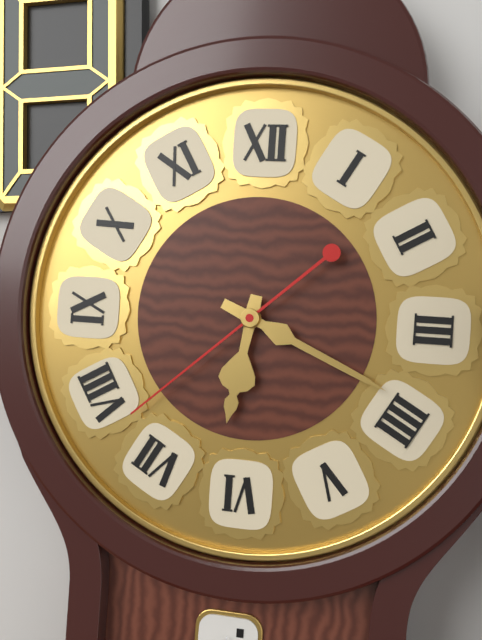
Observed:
{"hour": 6, "minute": 19, "second": 38}
